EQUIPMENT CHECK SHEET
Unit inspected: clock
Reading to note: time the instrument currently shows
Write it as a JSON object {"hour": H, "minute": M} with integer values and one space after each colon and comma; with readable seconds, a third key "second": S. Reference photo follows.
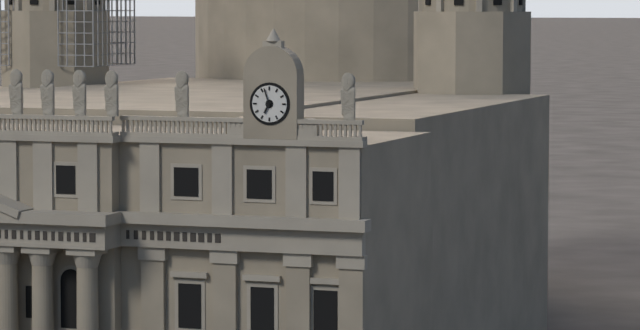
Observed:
{"hour": 6, "minute": 57}
